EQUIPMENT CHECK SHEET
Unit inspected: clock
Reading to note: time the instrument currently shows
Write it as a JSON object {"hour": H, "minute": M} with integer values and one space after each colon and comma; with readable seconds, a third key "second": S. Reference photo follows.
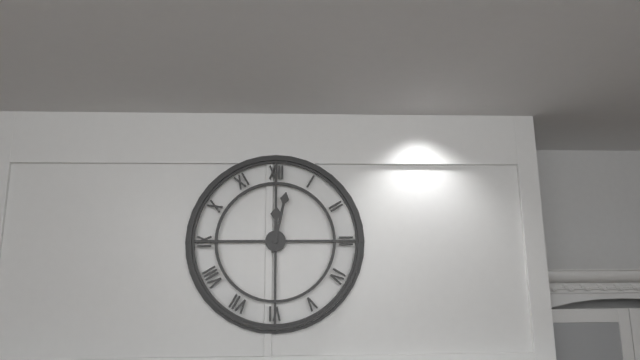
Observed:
{"hour": 12, "minute": 2}
